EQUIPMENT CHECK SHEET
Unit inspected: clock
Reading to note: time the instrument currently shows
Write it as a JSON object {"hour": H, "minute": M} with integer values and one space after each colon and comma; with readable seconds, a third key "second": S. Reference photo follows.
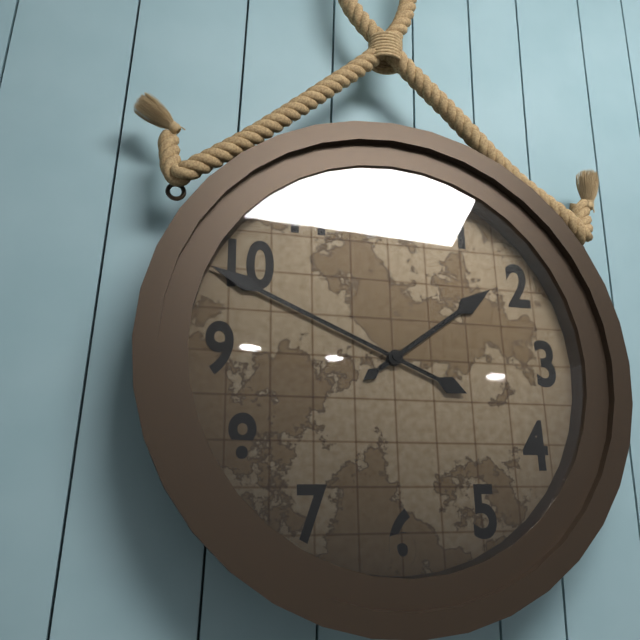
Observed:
{"hour": 1, "minute": 49}
